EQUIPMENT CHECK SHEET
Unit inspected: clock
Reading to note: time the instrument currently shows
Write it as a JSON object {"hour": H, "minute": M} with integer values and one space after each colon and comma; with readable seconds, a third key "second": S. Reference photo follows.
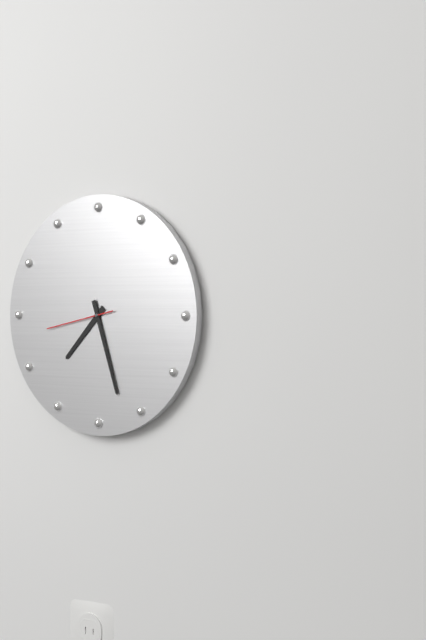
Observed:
{"hour": 7, "minute": 27, "second": 43}
